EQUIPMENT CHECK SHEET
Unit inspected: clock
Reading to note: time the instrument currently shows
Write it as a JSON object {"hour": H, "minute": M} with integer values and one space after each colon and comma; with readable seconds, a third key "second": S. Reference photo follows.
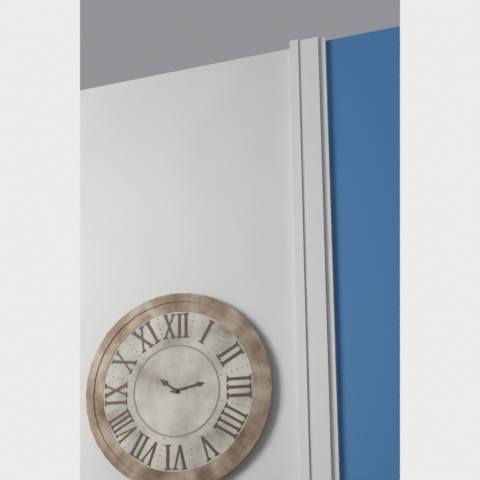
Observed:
{"hour": 10, "minute": 13}
